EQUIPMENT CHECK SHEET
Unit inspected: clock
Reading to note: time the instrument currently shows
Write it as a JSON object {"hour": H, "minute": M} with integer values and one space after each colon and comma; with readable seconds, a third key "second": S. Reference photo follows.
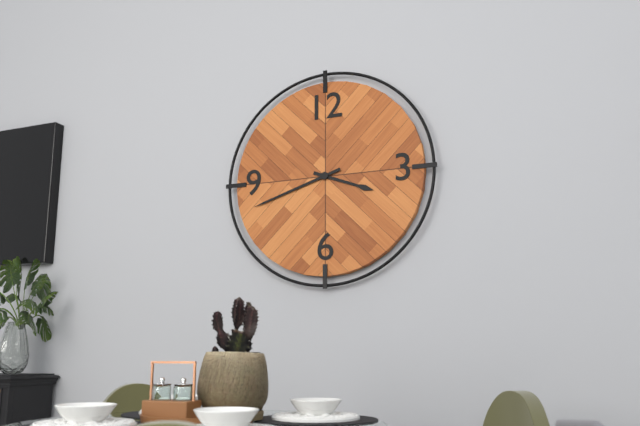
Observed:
{"hour": 3, "minute": 42}
